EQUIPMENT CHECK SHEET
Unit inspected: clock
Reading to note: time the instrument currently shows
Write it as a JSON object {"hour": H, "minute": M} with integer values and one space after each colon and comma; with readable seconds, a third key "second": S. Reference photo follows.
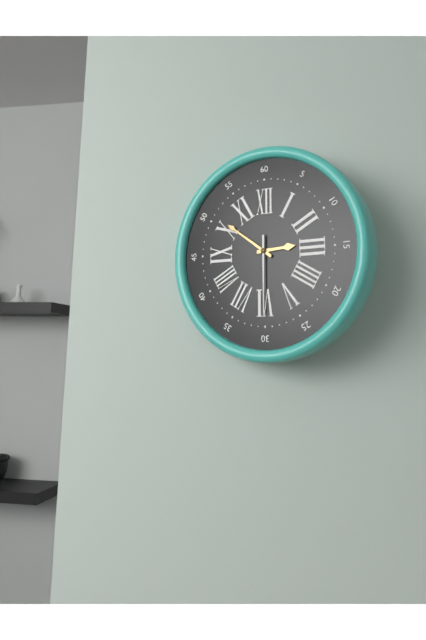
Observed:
{"hour": 2, "minute": 51, "second": 30}
